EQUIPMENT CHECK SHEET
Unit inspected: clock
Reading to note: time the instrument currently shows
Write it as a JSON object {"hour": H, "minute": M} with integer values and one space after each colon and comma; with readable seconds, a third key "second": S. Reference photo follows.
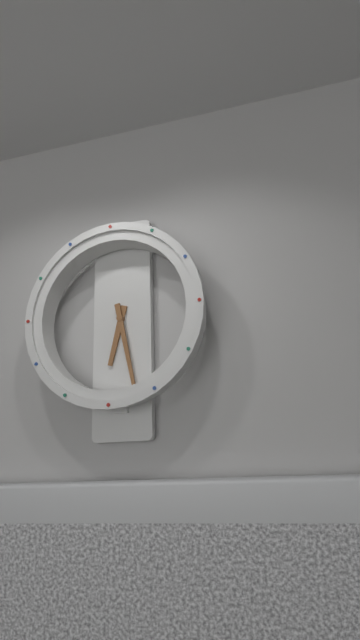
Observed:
{"hour": 6, "minute": 28}
